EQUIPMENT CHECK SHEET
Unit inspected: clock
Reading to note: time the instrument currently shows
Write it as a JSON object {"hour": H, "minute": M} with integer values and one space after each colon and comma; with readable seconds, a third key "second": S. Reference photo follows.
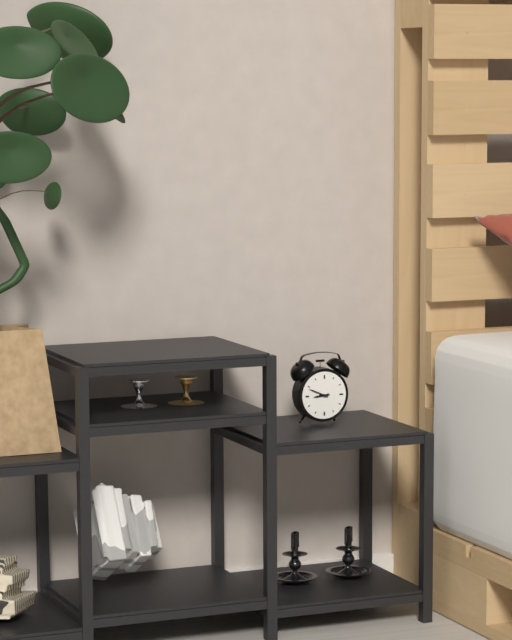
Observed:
{"hour": 8, "minute": 49}
